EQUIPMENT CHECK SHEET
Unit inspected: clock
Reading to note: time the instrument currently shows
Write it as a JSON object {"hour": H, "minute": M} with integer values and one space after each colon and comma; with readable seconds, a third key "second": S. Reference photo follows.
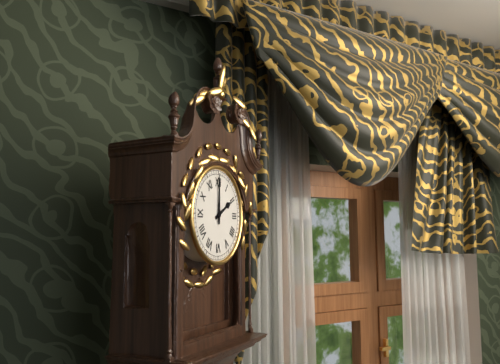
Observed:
{"hour": 2, "minute": 0}
